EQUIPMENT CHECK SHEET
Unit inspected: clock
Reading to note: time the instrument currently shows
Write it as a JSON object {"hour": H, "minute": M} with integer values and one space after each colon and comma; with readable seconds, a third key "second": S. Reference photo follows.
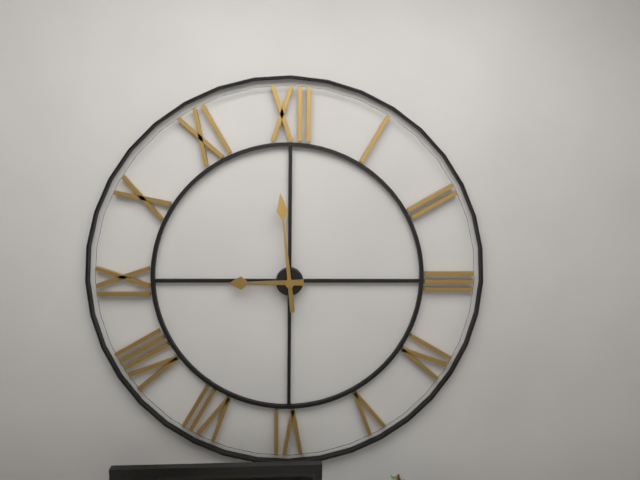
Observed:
{"hour": 8, "minute": 59}
